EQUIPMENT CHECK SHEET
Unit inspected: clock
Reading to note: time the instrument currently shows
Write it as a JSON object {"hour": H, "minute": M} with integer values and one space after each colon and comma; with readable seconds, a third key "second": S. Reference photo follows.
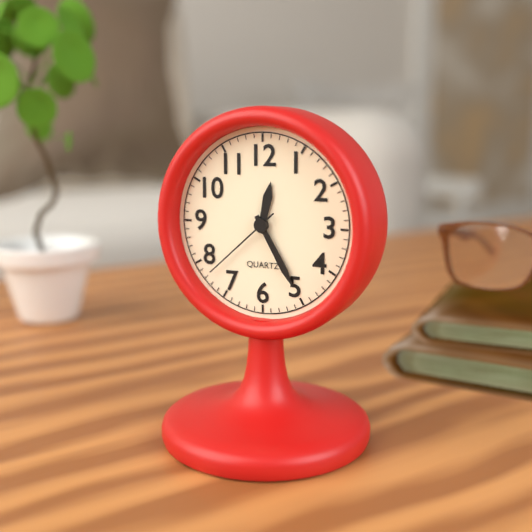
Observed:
{"hour": 12, "minute": 25, "second": 38}
